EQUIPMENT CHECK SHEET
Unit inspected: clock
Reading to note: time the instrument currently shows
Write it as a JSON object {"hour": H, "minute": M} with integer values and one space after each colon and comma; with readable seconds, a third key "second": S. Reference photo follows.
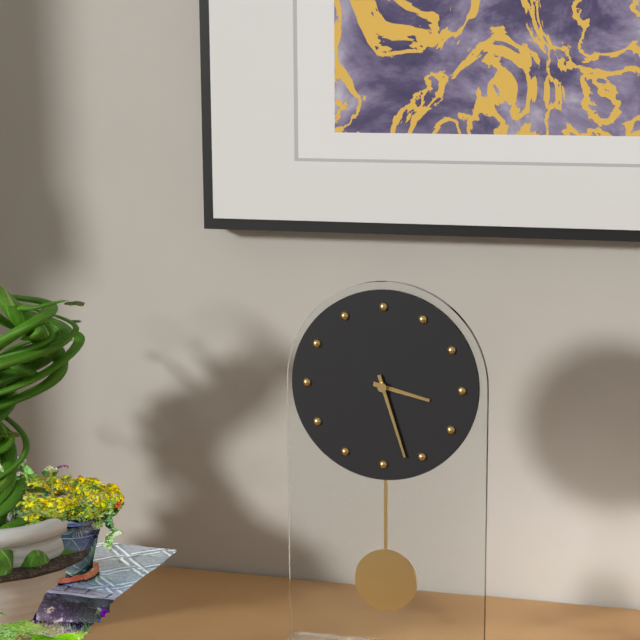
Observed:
{"hour": 3, "minute": 27}
